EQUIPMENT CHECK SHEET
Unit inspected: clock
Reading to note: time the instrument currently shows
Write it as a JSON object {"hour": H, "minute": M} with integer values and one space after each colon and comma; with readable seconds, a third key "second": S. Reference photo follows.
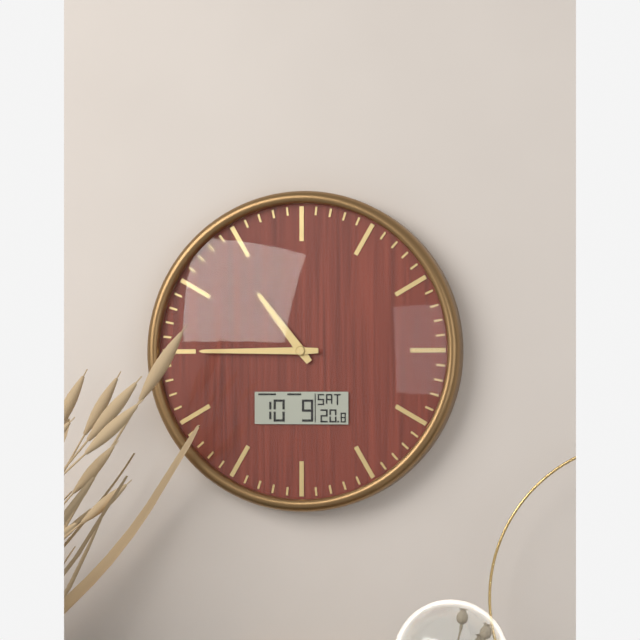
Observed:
{"hour": 10, "minute": 45}
